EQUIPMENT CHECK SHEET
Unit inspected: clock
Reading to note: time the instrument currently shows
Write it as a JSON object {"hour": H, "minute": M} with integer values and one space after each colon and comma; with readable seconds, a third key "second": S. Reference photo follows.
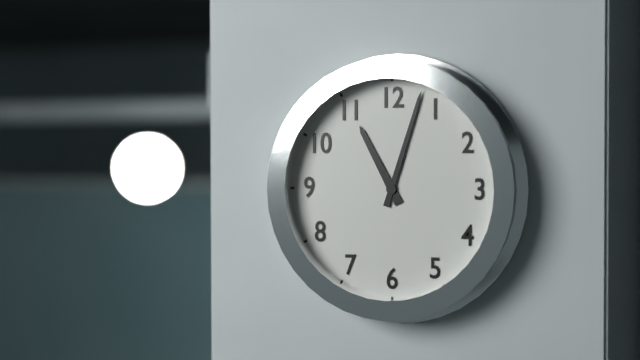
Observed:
{"hour": 11, "minute": 3}
